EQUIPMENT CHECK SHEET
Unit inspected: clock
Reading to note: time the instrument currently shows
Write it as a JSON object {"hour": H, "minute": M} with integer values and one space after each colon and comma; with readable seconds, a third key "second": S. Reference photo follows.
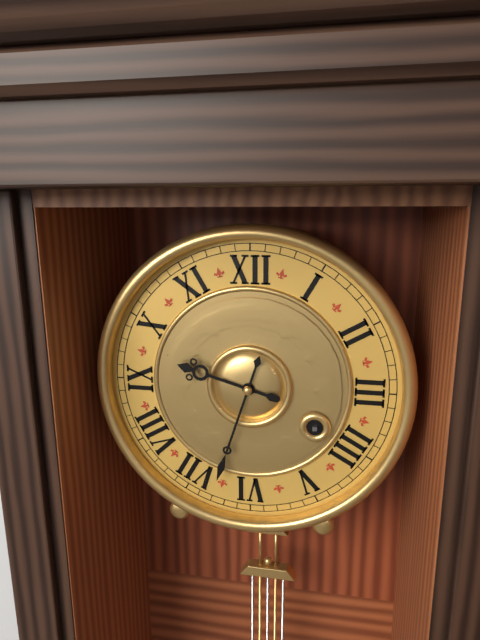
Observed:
{"hour": 9, "minute": 33}
